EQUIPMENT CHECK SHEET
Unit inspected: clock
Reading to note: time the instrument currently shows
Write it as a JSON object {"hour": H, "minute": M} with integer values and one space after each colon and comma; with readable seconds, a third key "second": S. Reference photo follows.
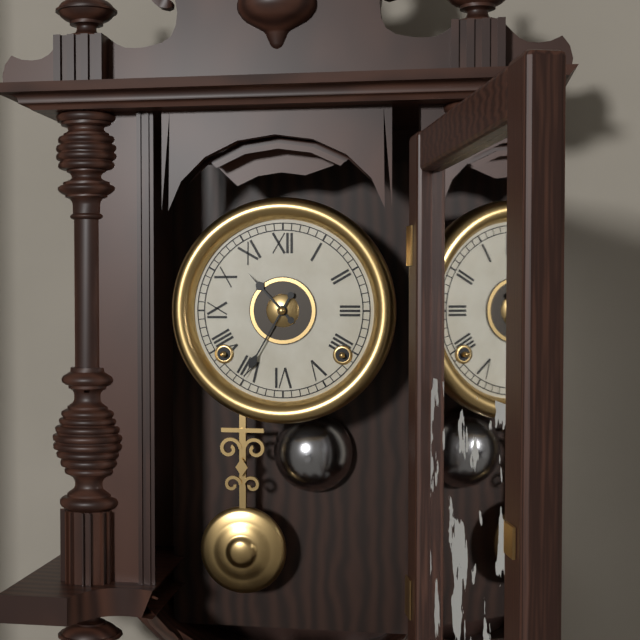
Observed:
{"hour": 10, "minute": 35}
